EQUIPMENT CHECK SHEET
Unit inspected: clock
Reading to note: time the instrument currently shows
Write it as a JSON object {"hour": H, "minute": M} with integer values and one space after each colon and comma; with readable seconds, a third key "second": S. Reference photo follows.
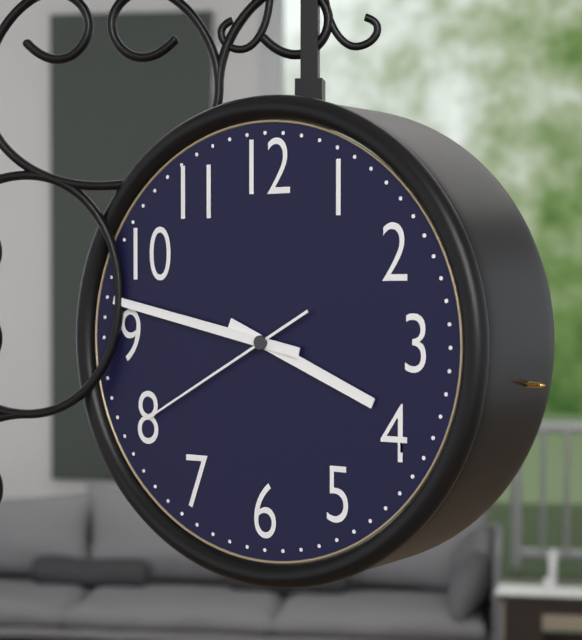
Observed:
{"hour": 3, "minute": 47, "second": 40}
